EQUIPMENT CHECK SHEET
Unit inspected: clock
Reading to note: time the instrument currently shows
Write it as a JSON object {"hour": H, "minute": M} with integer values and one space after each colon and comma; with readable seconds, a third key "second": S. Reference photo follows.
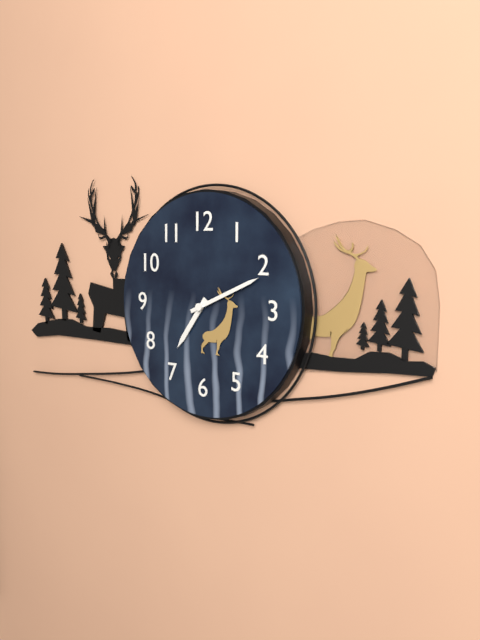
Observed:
{"hour": 7, "minute": 11}
